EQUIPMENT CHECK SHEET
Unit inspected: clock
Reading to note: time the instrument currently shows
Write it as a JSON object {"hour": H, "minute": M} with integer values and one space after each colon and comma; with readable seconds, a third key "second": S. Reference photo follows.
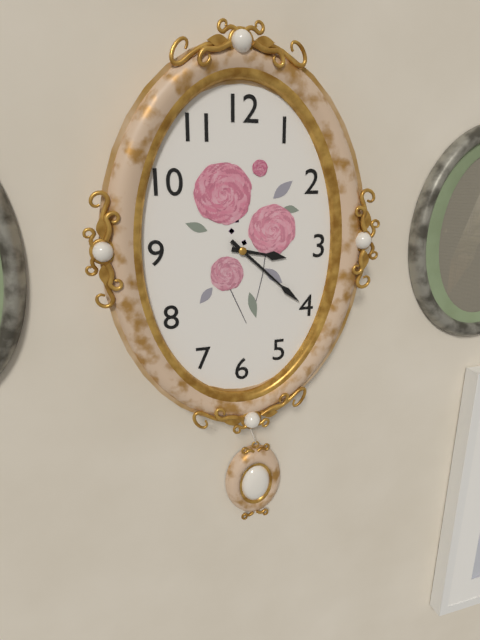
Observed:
{"hour": 3, "minute": 22}
